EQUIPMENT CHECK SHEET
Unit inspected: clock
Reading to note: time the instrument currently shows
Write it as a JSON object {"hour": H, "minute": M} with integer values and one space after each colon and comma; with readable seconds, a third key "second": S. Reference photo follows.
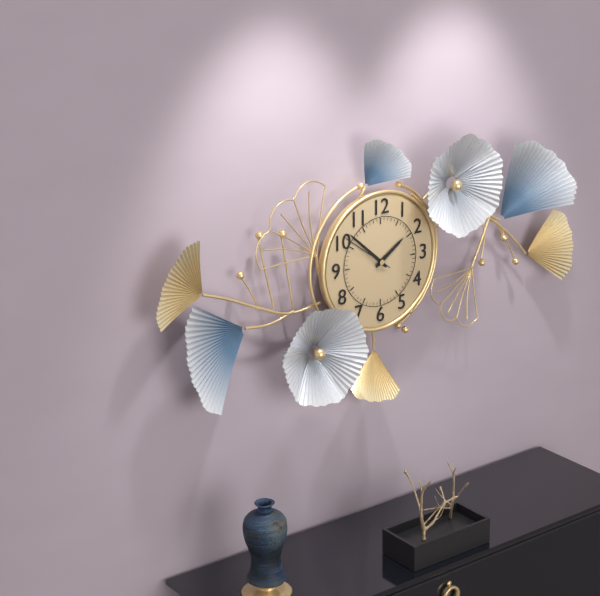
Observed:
{"hour": 1, "minute": 52, "second": 51}
